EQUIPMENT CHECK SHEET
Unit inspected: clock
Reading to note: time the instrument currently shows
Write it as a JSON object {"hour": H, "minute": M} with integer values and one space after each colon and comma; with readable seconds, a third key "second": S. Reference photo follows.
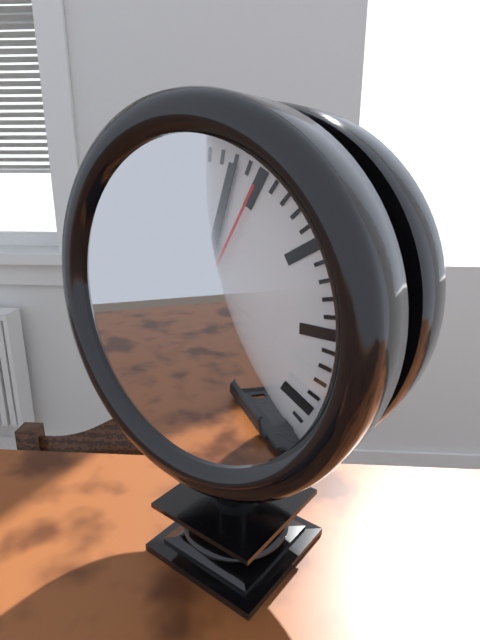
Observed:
{"hour": 7, "minute": 3, "second": 5}
